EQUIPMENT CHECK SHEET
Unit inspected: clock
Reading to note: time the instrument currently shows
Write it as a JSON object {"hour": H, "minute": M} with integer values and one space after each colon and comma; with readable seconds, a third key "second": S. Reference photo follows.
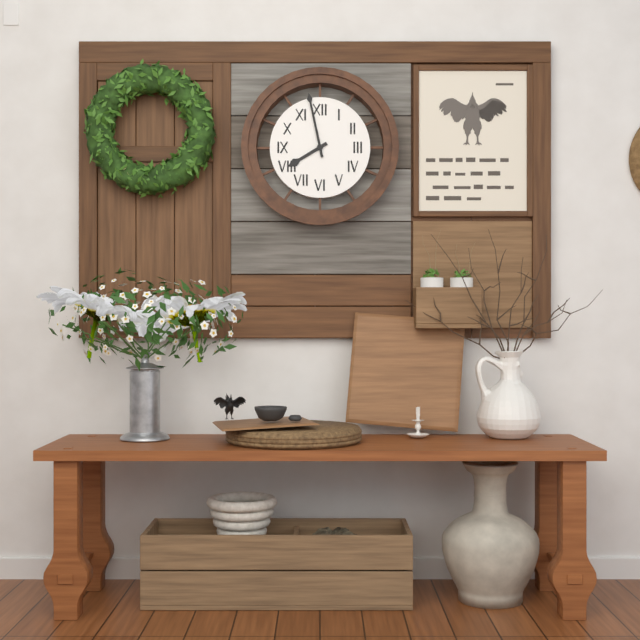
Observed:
{"hour": 7, "minute": 58}
